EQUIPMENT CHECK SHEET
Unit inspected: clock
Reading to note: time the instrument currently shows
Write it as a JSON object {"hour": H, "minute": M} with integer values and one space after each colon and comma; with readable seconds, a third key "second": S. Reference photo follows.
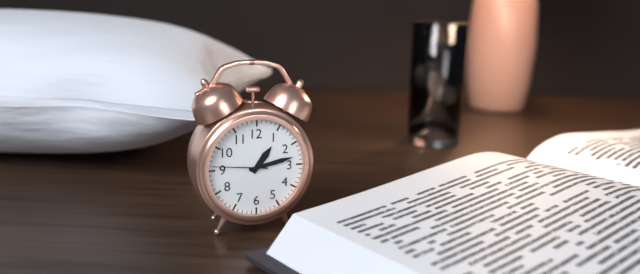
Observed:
{"hour": 1, "minute": 13, "second": 46}
